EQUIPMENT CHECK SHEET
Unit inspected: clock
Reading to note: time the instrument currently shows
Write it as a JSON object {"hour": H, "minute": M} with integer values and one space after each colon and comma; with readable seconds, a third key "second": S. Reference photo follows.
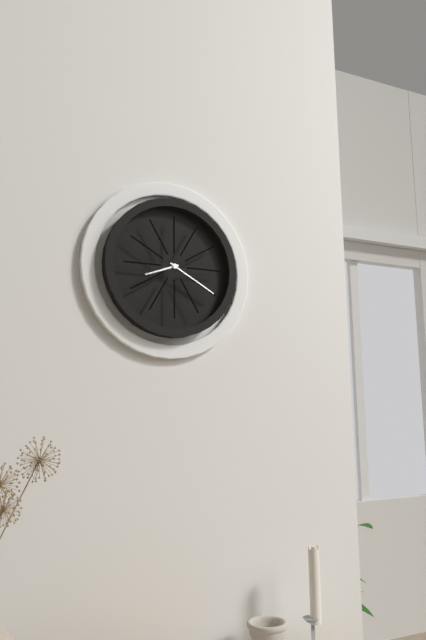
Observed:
{"hour": 8, "minute": 20}
